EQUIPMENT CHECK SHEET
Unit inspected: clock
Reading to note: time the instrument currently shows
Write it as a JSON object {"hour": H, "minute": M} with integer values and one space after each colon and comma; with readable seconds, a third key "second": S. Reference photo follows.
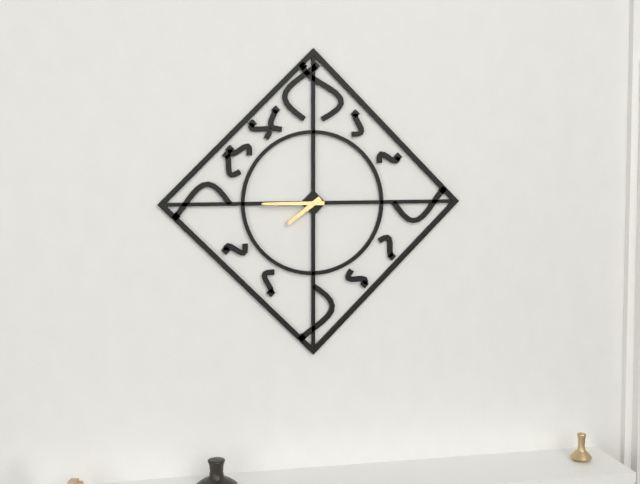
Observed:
{"hour": 7, "minute": 45}
